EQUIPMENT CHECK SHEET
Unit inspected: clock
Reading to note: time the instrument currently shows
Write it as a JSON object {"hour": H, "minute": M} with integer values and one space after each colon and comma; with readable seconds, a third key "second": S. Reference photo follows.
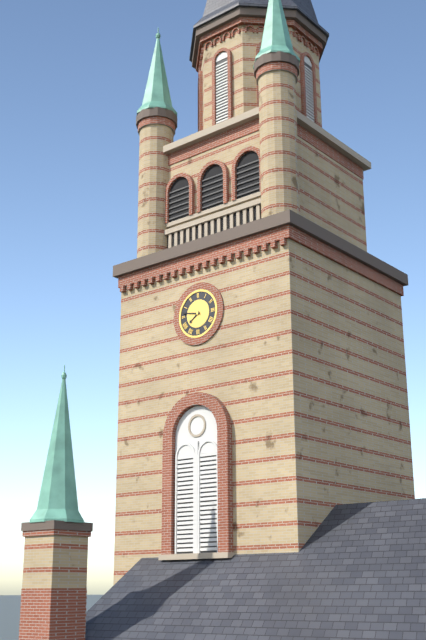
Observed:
{"hour": 7, "minute": 47}
